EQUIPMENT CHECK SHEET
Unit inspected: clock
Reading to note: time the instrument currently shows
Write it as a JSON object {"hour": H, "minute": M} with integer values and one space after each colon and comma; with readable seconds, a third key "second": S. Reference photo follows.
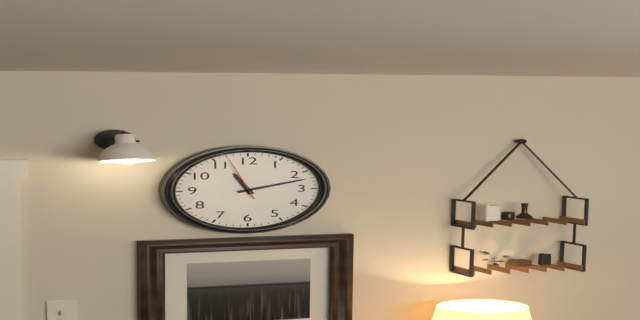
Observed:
{"hour": 11, "minute": 12}
